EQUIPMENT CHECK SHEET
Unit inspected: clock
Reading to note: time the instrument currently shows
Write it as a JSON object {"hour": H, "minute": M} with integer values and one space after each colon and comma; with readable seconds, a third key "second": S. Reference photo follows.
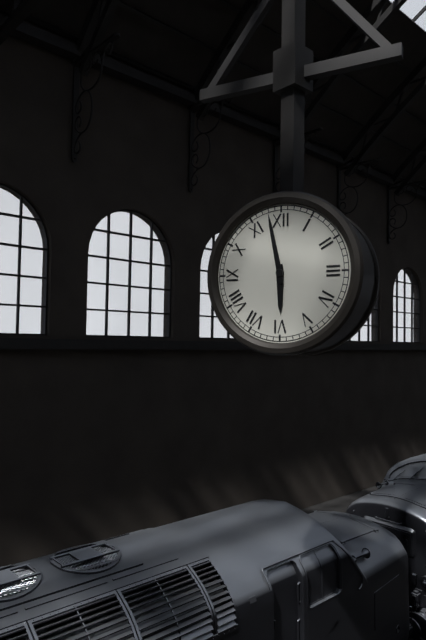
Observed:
{"hour": 5, "minute": 58}
